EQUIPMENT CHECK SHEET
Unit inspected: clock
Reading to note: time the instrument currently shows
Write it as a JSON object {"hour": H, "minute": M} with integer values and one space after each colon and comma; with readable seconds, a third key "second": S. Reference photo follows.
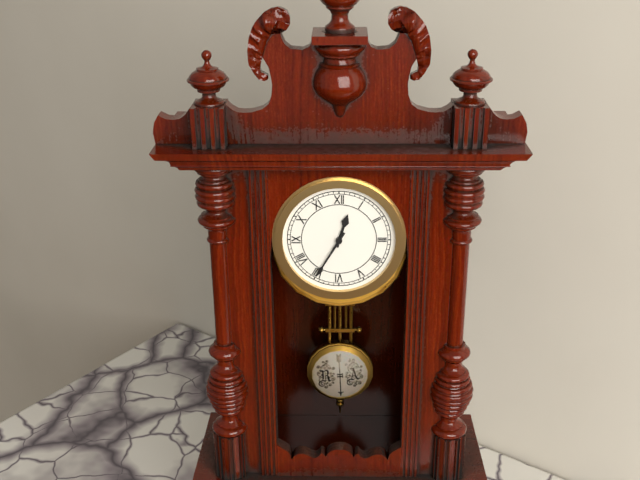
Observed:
{"hour": 12, "minute": 35}
